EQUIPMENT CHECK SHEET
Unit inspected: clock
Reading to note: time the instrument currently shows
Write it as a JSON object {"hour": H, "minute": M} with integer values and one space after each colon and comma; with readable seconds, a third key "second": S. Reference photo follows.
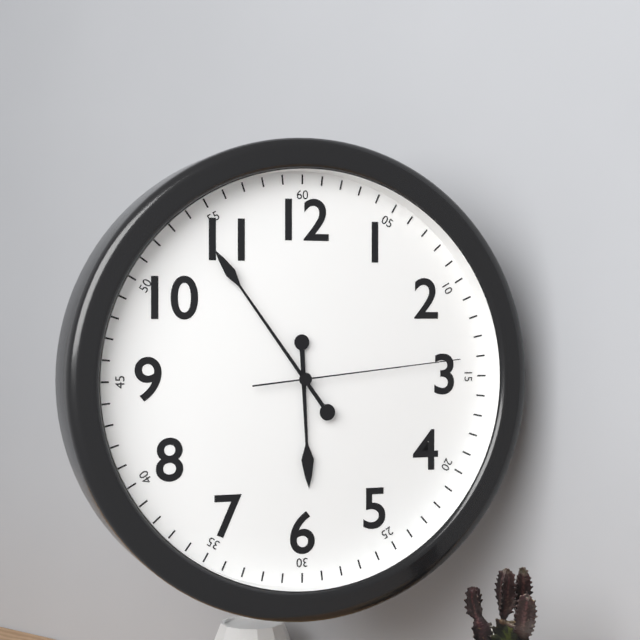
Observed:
{"hour": 5, "minute": 54, "second": 14}
